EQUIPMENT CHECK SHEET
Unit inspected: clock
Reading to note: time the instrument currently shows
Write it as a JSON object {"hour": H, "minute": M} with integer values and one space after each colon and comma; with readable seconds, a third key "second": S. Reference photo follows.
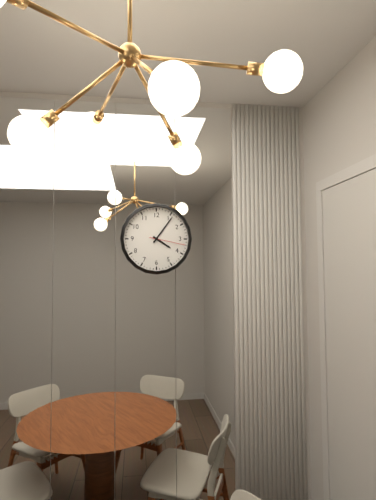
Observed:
{"hour": 4, "minute": 6}
